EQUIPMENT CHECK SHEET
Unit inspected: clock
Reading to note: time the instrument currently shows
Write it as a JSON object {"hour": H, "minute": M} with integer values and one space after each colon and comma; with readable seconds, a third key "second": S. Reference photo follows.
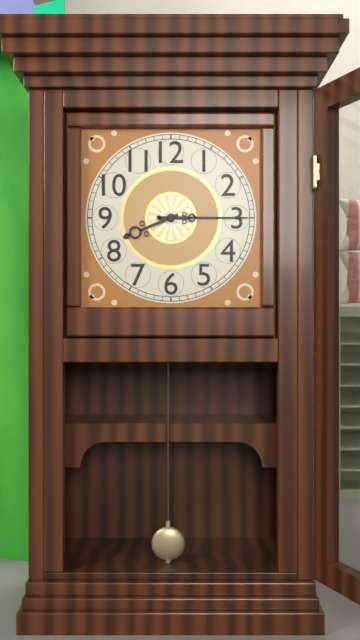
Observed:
{"hour": 8, "minute": 15}
